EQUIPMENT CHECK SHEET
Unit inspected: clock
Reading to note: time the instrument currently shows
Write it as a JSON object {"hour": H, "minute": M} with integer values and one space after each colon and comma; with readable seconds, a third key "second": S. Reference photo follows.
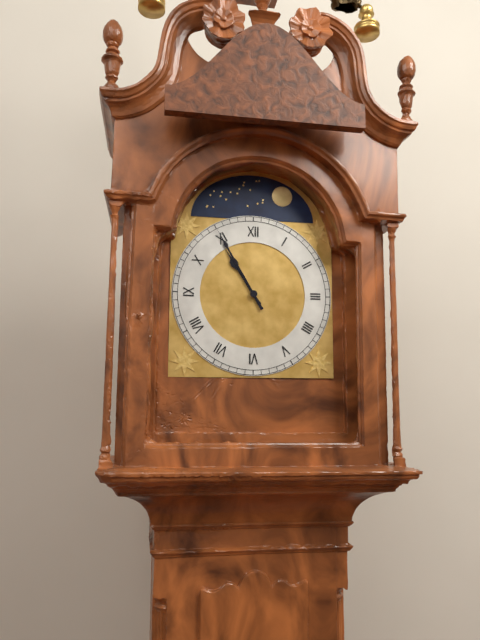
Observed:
{"hour": 10, "minute": 55}
